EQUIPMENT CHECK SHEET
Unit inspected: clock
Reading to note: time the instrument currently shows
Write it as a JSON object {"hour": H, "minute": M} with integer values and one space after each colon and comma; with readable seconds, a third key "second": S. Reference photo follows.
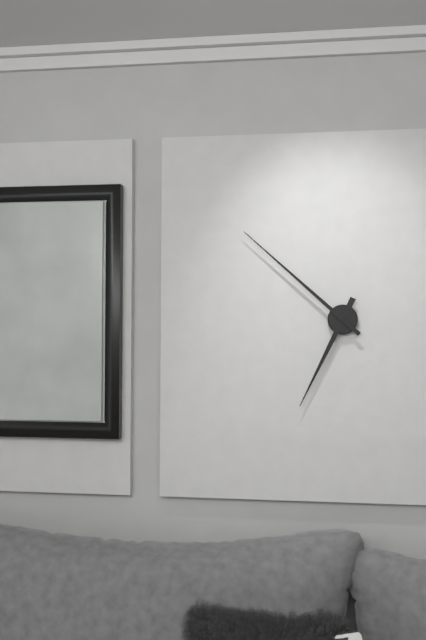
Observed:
{"hour": 6, "minute": 52}
